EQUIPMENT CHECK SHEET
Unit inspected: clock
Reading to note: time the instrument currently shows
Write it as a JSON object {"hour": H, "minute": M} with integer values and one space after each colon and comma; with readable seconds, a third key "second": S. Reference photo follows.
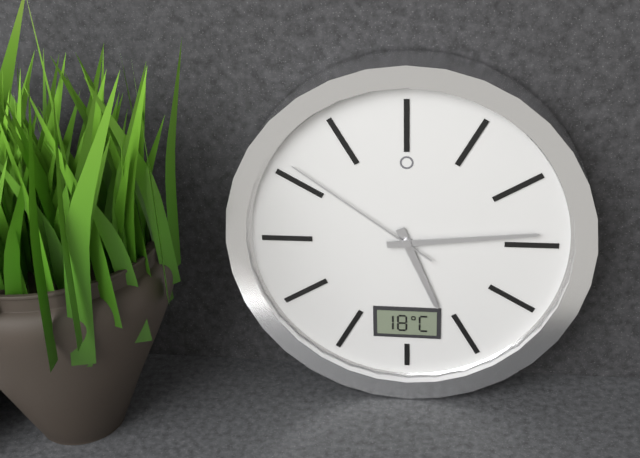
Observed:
{"hour": 5, "minute": 14, "second": 51}
